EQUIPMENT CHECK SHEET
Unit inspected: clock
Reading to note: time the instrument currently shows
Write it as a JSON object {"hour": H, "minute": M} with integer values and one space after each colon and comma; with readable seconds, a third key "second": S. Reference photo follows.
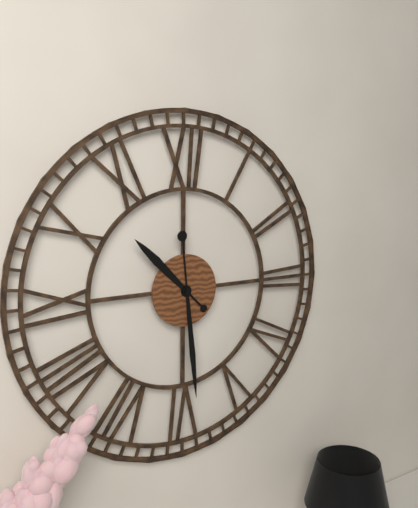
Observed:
{"hour": 10, "minute": 29}
